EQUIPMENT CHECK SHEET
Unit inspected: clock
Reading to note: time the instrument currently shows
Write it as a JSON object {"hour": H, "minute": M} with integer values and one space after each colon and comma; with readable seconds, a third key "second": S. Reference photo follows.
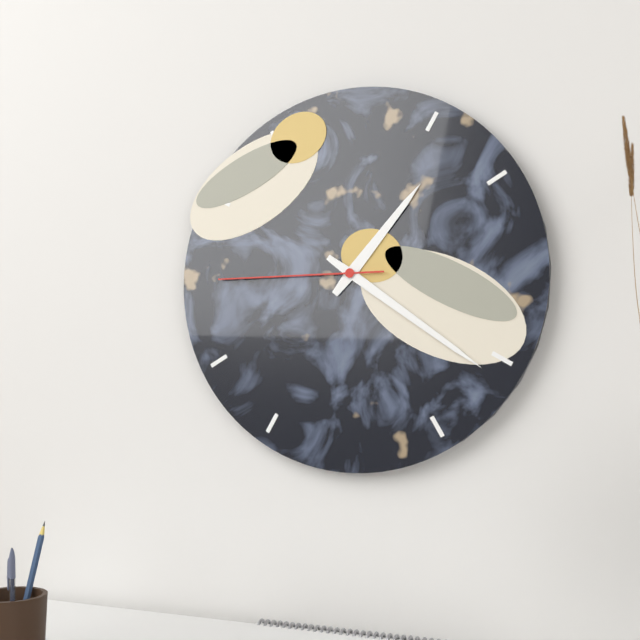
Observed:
{"hour": 1, "minute": 21, "second": 45}
